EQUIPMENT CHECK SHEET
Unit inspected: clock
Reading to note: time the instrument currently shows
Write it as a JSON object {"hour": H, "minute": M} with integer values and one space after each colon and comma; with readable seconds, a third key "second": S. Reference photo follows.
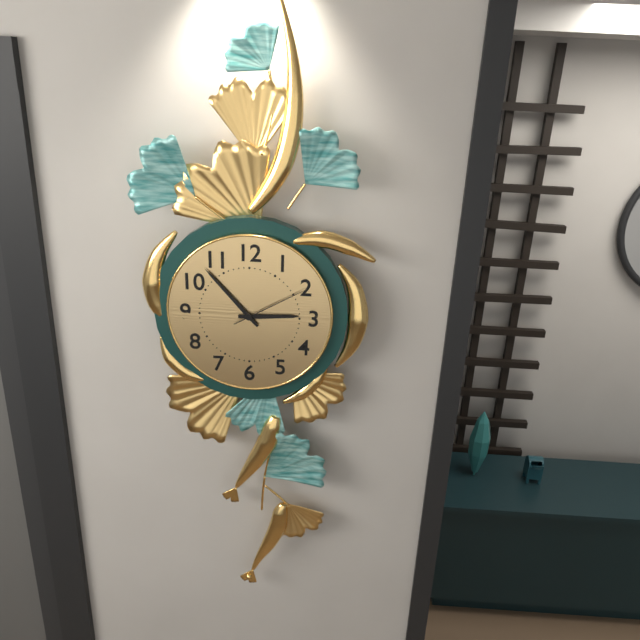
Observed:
{"hour": 2, "minute": 53, "second": 10}
